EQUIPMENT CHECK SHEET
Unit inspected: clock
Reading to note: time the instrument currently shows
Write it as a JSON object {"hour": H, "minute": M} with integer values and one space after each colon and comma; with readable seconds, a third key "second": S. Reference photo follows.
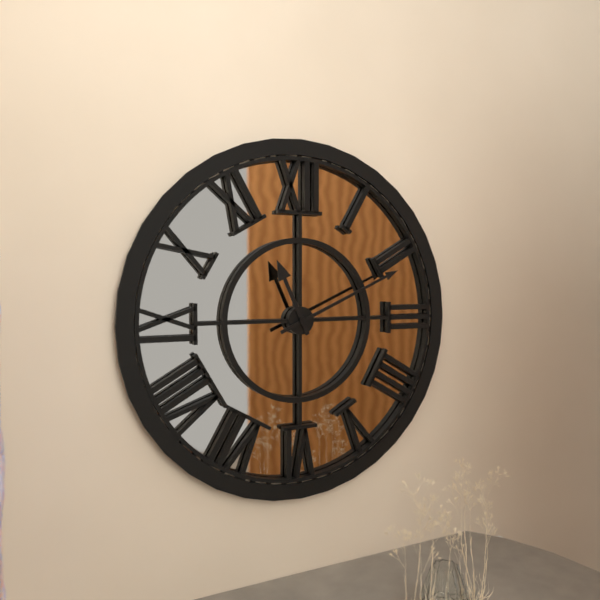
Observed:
{"hour": 11, "minute": 11}
